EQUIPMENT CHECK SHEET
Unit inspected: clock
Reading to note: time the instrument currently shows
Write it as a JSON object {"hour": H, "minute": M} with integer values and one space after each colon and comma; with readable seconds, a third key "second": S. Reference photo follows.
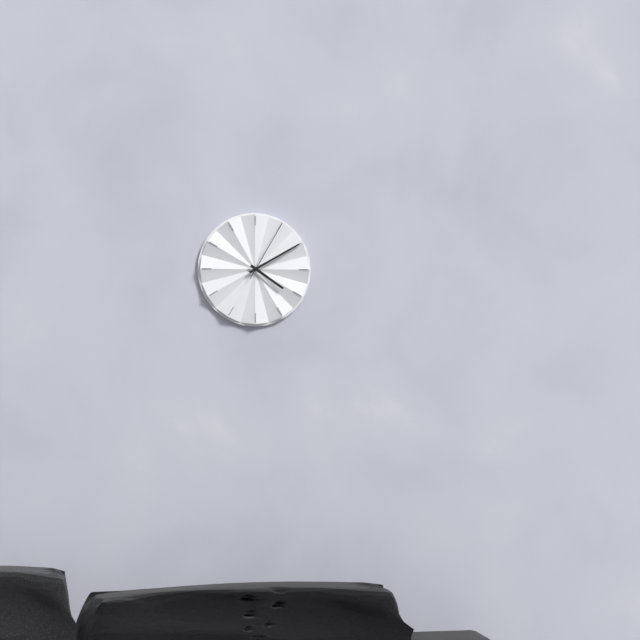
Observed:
{"hour": 4, "minute": 10, "second": 5}
